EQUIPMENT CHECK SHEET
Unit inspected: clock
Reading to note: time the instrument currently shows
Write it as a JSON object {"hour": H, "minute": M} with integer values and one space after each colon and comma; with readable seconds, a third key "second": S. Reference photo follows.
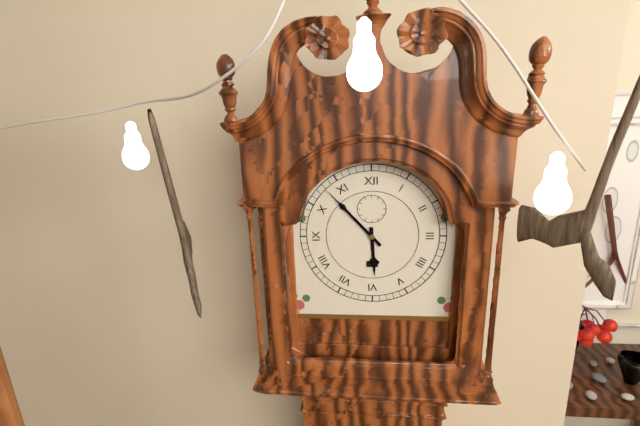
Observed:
{"hour": 5, "minute": 53}
